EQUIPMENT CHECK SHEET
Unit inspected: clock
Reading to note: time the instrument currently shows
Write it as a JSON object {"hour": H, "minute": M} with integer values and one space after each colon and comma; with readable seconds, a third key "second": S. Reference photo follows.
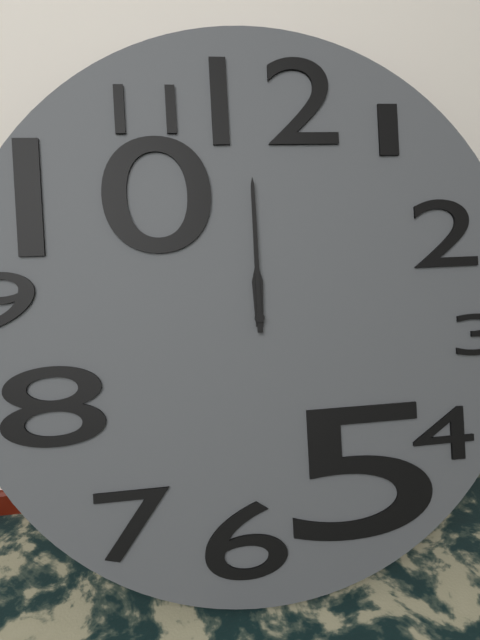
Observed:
{"hour": 12, "minute": 0}
